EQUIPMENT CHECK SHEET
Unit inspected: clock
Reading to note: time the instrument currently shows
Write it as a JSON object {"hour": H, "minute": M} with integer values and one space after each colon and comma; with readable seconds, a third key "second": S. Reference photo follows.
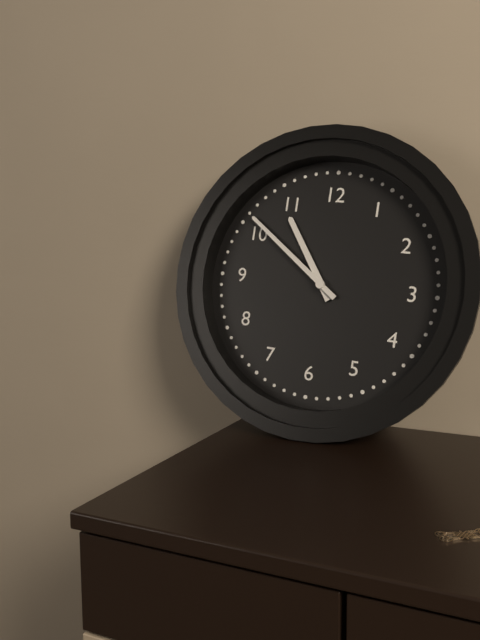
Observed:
{"hour": 10, "minute": 51}
